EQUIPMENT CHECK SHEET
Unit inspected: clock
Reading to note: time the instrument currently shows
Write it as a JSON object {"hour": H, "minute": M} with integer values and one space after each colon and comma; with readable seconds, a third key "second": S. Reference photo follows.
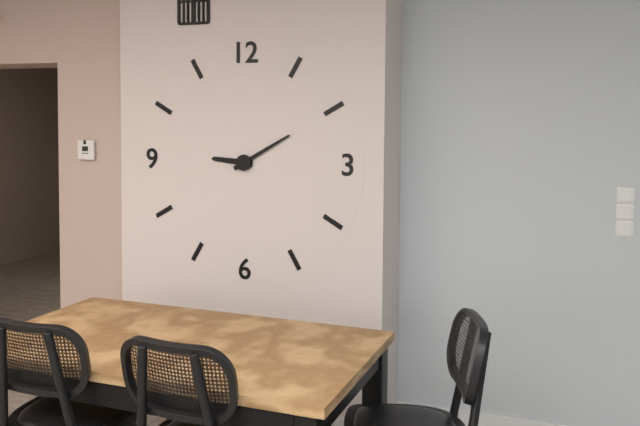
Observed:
{"hour": 9, "minute": 10}
